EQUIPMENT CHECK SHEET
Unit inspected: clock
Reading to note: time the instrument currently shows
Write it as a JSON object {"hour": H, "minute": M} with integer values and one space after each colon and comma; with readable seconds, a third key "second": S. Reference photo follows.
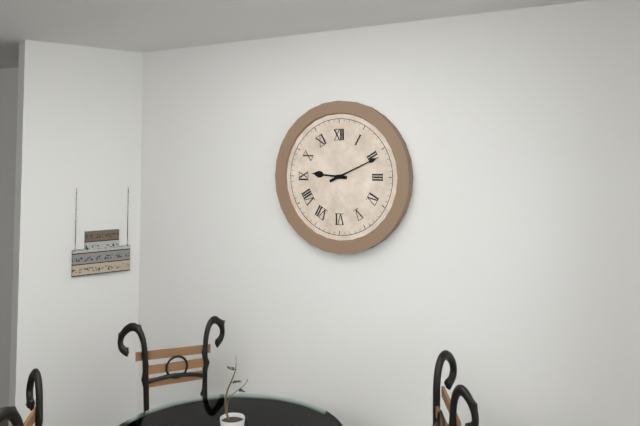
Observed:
{"hour": 9, "minute": 11}
